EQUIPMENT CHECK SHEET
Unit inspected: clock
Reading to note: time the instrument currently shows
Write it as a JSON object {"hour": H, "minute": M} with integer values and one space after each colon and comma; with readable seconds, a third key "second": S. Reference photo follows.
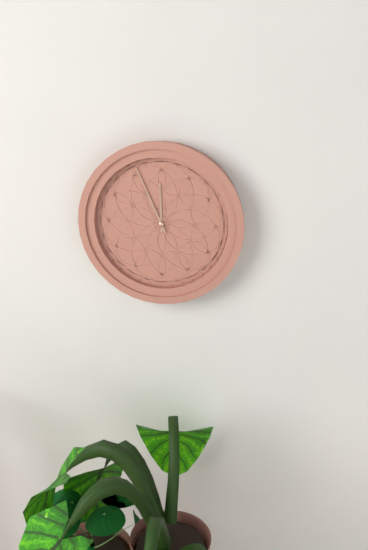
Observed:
{"hour": 11, "minute": 56}
